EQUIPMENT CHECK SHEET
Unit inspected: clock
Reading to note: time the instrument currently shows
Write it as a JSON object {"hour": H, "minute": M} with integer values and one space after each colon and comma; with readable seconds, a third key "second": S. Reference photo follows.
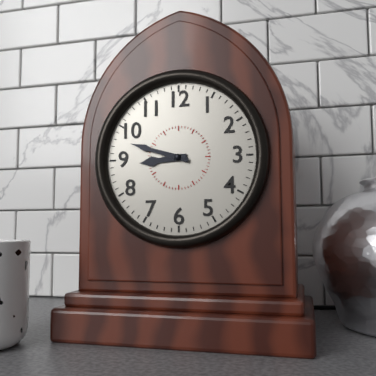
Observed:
{"hour": 8, "minute": 48}
